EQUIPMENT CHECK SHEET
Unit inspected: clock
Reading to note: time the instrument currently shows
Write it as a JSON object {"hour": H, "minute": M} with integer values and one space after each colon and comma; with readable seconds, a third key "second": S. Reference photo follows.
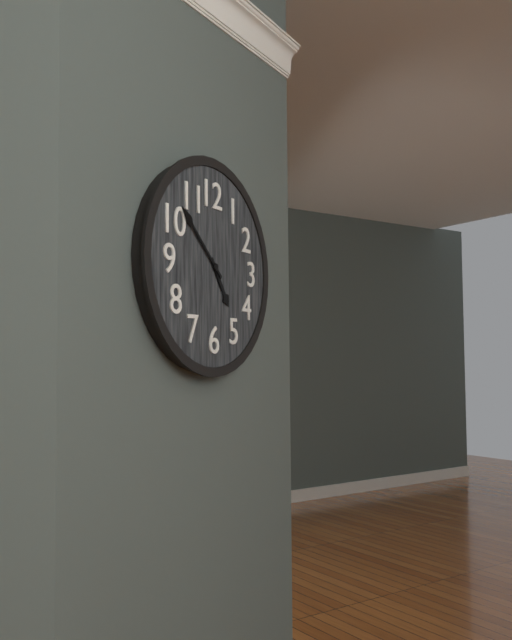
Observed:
{"hour": 4, "minute": 52}
